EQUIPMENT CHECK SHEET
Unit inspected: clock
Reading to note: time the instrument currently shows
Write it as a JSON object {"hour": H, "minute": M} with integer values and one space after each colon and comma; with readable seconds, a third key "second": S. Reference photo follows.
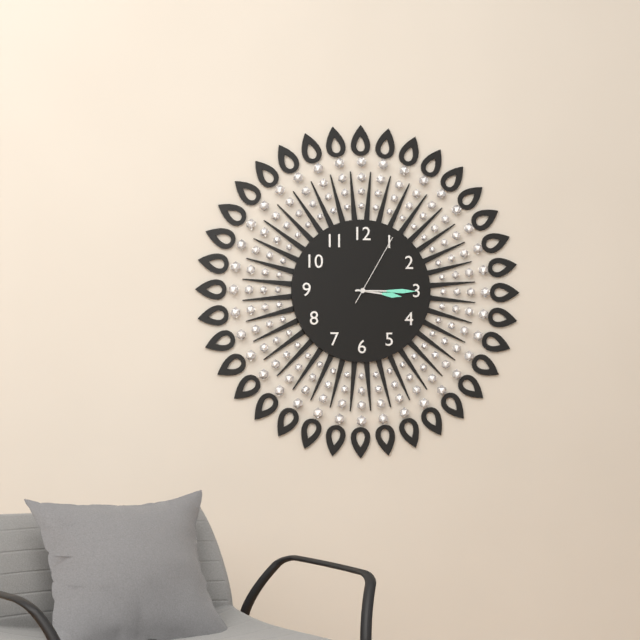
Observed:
{"hour": 3, "minute": 15, "second": 5}
